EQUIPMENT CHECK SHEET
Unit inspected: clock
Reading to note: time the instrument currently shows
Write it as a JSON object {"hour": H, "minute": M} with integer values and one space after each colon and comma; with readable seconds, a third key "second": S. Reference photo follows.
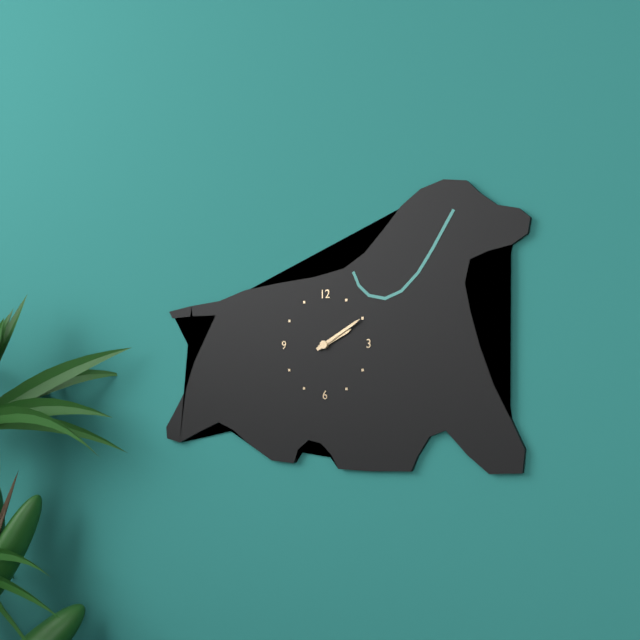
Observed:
{"hour": 2, "minute": 10}
